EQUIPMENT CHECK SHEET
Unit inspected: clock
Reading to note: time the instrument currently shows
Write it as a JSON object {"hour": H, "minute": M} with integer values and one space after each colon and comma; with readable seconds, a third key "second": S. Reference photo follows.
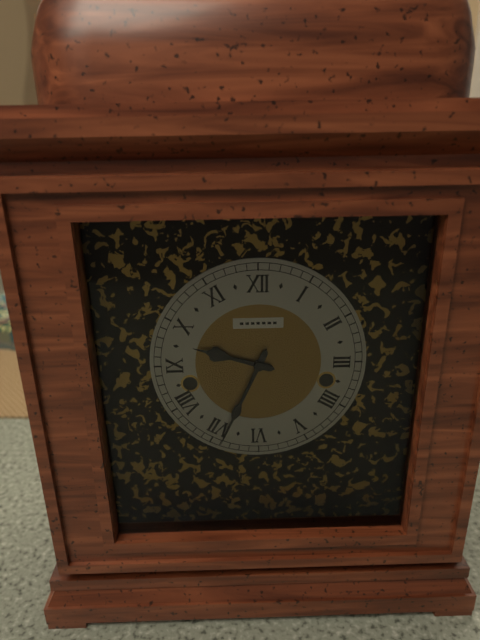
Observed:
{"hour": 9, "minute": 34}
